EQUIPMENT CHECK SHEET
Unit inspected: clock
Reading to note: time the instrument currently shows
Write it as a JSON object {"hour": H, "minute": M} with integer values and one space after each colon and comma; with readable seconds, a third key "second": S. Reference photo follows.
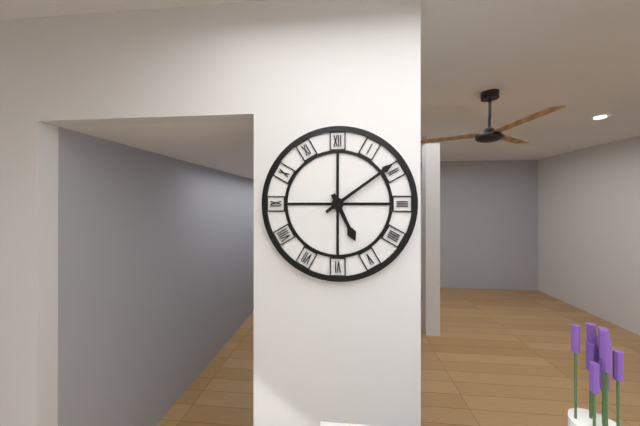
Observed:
{"hour": 5, "minute": 9}
